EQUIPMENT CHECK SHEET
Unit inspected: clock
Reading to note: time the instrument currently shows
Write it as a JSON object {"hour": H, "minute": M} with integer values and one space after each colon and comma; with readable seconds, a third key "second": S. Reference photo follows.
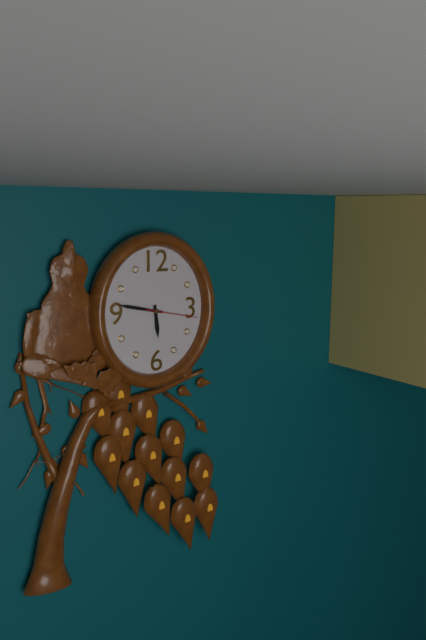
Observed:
{"hour": 5, "minute": 47, "second": 17}
